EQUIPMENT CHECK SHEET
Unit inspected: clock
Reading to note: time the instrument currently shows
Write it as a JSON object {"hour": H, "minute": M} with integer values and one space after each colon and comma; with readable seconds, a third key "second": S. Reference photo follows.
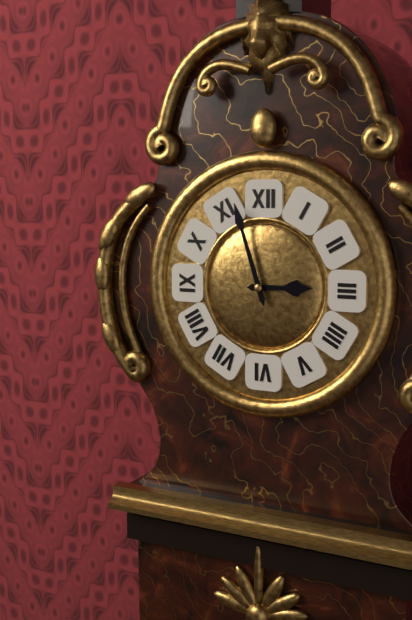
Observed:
{"hour": 2, "minute": 57}
